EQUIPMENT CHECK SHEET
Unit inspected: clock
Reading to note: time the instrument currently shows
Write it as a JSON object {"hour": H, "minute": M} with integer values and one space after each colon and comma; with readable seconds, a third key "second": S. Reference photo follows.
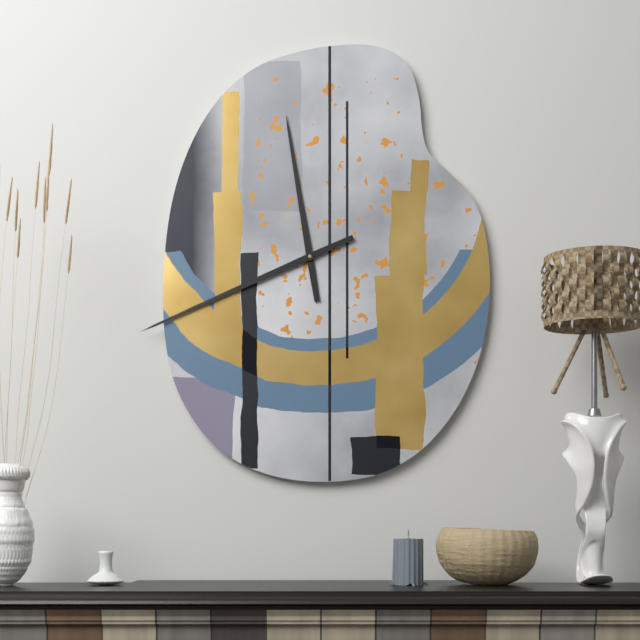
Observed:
{"hour": 11, "minute": 41}
